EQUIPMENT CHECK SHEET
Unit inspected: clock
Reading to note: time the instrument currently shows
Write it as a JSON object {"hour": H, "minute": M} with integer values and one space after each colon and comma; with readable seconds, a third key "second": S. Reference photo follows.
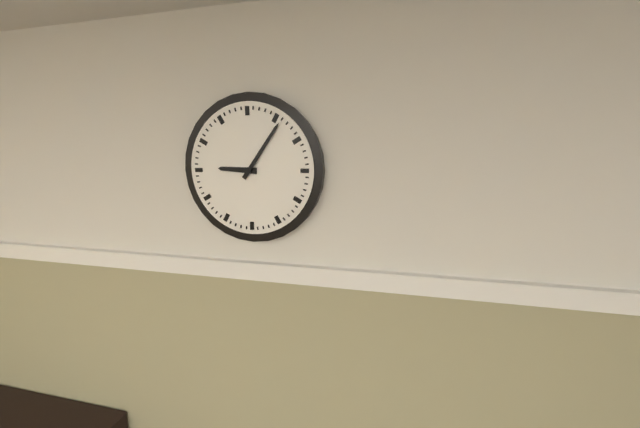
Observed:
{"hour": 9, "minute": 6}
